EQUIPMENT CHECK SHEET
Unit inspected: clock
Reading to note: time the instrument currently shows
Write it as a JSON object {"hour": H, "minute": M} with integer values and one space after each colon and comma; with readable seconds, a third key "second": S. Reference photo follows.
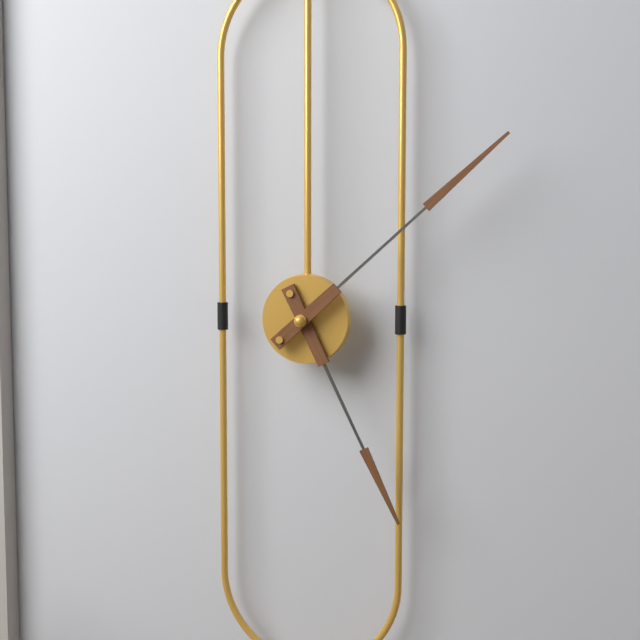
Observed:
{"hour": 5, "minute": 8}
